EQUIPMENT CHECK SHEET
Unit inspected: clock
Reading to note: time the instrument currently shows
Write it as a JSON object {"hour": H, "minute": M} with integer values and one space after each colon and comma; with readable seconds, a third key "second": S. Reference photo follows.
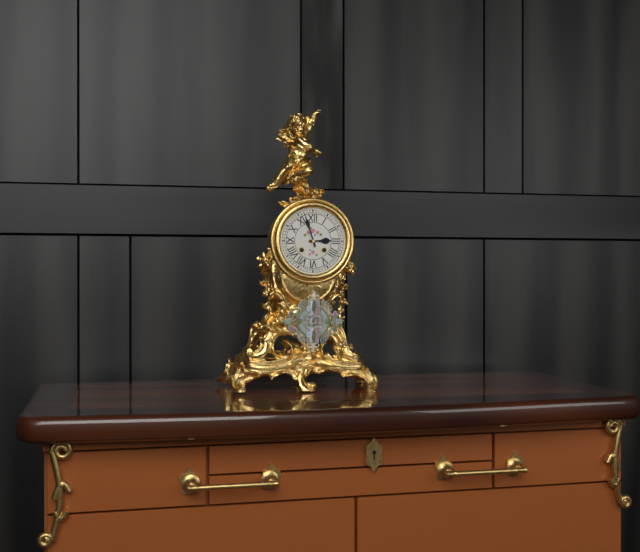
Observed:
{"hour": 2, "minute": 57}
